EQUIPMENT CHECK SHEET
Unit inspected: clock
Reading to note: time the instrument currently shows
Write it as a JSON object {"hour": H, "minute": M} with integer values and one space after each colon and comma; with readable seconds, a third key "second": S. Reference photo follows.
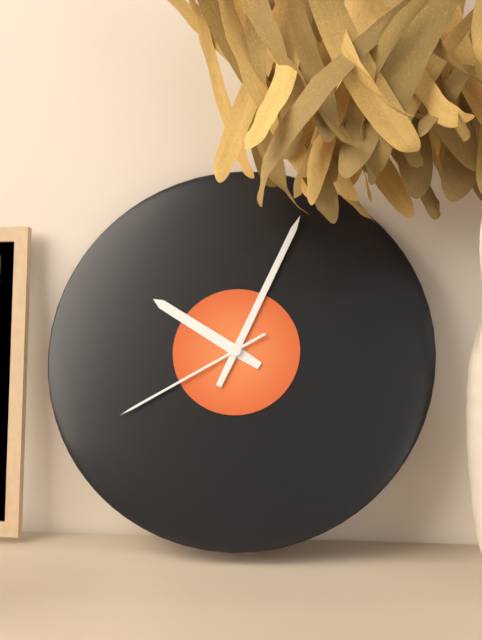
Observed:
{"hour": 10, "minute": 4, "second": 40}
